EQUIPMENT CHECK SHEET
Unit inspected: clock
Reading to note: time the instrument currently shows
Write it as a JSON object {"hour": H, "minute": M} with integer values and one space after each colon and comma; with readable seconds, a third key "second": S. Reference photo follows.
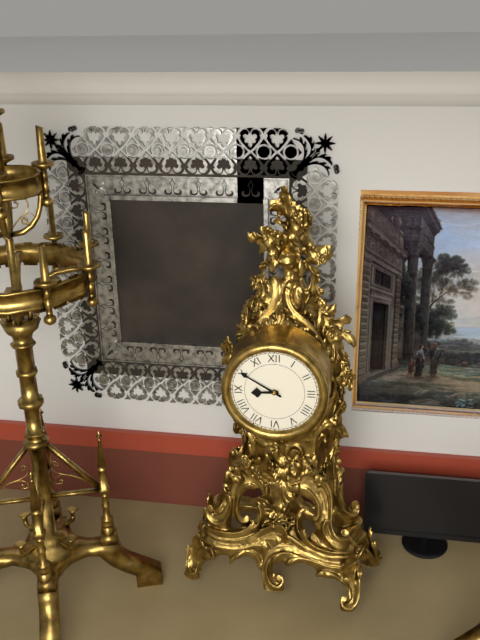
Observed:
{"hour": 8, "minute": 50}
